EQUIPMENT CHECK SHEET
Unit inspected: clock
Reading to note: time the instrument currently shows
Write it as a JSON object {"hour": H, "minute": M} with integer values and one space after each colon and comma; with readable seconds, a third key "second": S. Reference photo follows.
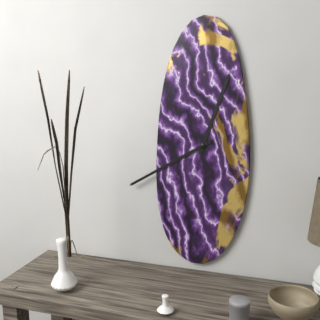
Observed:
{"hour": 12, "minute": 40}
